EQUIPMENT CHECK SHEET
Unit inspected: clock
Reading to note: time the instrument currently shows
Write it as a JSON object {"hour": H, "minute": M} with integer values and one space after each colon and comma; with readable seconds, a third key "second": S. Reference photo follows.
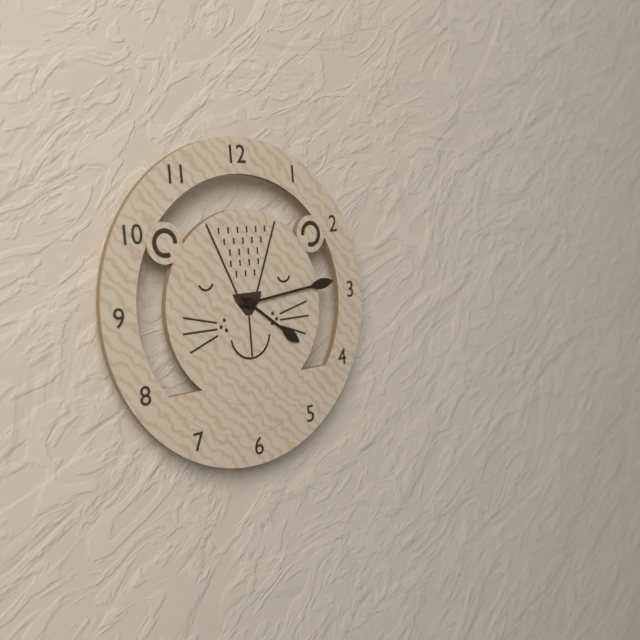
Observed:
{"hour": 4, "minute": 14}
